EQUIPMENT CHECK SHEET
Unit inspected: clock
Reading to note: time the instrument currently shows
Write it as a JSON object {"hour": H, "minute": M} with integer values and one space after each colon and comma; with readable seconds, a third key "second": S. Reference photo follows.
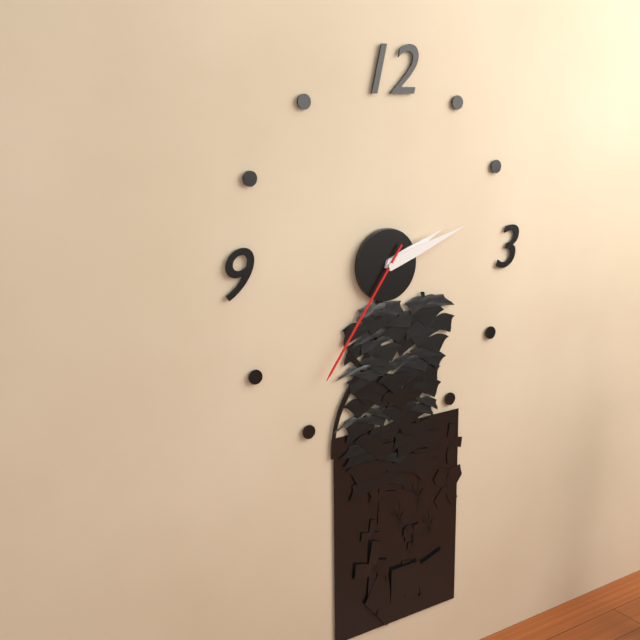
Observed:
{"hour": 2, "minute": 12, "second": 36}
